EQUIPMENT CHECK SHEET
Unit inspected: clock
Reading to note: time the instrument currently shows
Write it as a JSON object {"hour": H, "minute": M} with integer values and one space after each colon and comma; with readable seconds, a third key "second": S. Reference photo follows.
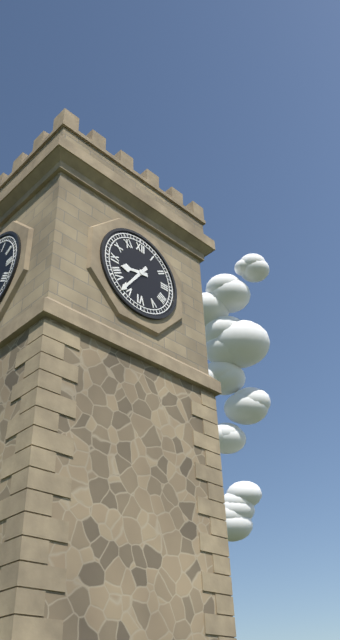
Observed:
{"hour": 8, "minute": 36}
